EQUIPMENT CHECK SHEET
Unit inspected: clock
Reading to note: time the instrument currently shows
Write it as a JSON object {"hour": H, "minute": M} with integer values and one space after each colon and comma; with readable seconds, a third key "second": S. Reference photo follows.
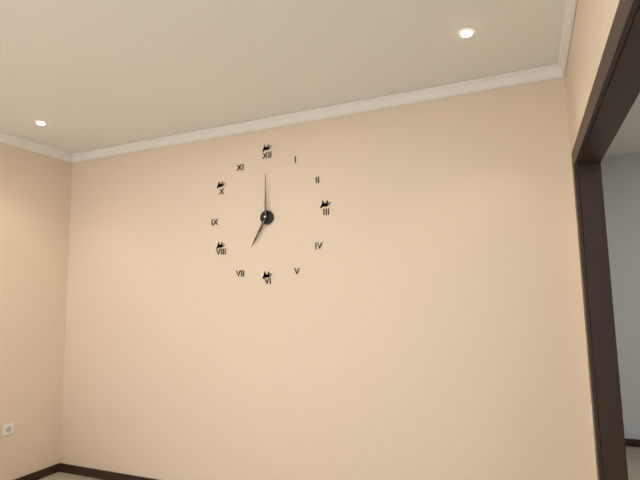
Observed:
{"hour": 7, "minute": 0}
